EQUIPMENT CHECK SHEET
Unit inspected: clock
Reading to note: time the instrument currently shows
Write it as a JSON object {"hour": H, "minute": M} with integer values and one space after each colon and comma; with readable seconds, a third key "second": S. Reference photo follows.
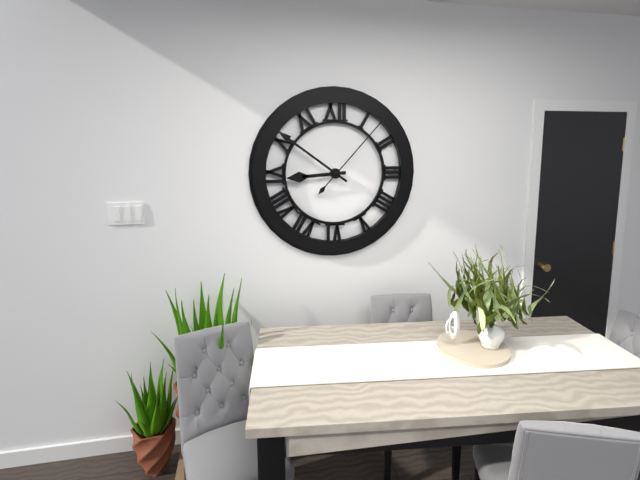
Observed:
{"hour": 8, "minute": 51, "second": 7}
